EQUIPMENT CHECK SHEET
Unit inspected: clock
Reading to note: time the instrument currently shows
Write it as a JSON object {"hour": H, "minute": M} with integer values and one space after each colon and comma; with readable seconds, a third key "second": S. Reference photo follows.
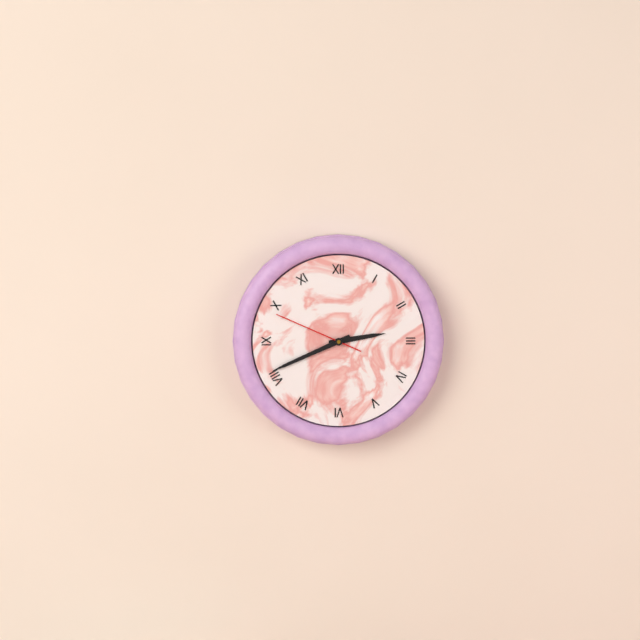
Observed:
{"hour": 2, "minute": 41, "second": 49}
